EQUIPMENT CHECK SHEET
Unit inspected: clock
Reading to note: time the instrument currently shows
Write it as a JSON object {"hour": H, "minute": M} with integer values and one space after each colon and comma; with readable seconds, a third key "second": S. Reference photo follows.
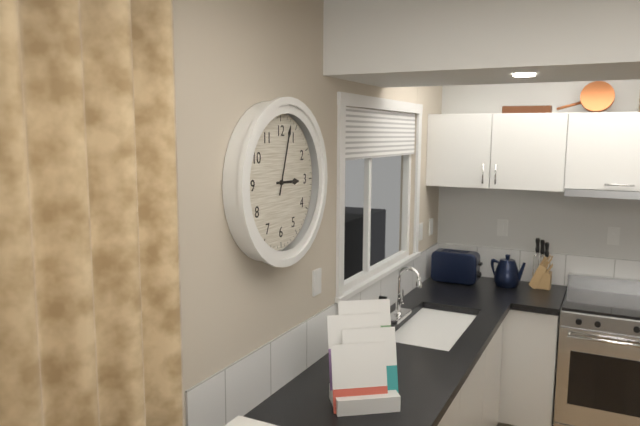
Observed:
{"hour": 3, "minute": 3}
